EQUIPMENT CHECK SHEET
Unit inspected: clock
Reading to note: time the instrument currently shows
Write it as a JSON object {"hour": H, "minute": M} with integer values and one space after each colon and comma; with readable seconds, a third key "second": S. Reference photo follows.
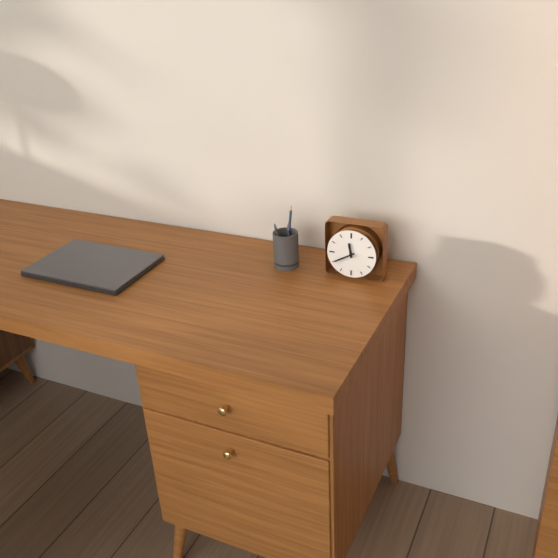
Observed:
{"hour": 11, "minute": 40}
